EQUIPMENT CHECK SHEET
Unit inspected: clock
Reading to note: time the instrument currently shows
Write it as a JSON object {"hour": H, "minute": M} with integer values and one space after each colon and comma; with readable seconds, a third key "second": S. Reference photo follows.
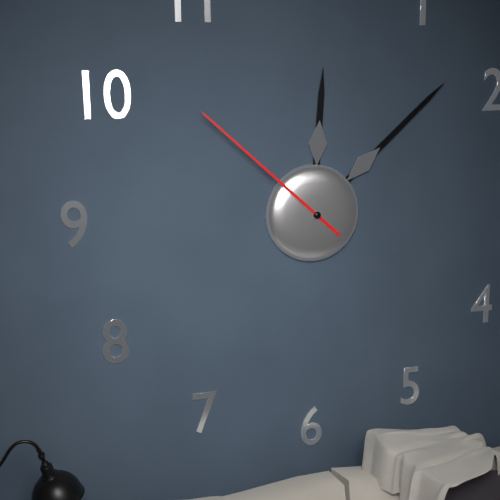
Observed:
{"hour": 12, "minute": 8, "second": 52}
